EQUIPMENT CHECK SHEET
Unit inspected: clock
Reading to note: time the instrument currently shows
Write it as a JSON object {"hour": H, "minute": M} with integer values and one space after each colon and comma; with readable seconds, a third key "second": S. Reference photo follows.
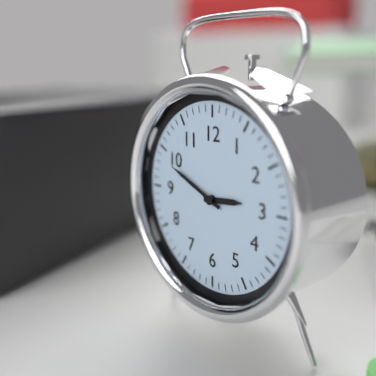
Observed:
{"hour": 2, "minute": 49}
